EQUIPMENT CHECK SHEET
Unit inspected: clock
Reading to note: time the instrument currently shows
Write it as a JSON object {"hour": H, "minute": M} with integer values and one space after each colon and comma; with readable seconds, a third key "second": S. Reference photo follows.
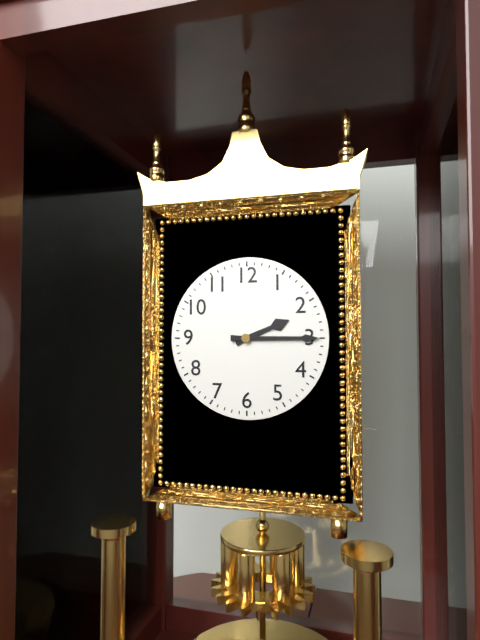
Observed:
{"hour": 2, "minute": 15}
